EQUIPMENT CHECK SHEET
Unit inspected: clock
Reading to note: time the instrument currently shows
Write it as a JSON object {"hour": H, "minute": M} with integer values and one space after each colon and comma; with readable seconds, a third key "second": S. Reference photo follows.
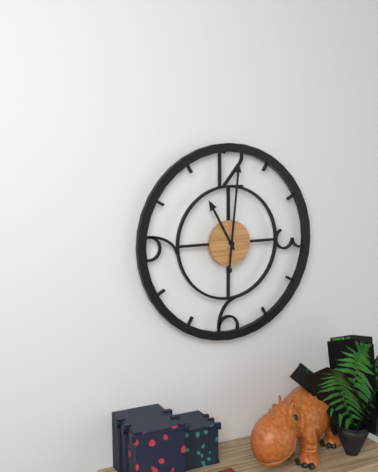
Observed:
{"hour": 11, "minute": 1}
